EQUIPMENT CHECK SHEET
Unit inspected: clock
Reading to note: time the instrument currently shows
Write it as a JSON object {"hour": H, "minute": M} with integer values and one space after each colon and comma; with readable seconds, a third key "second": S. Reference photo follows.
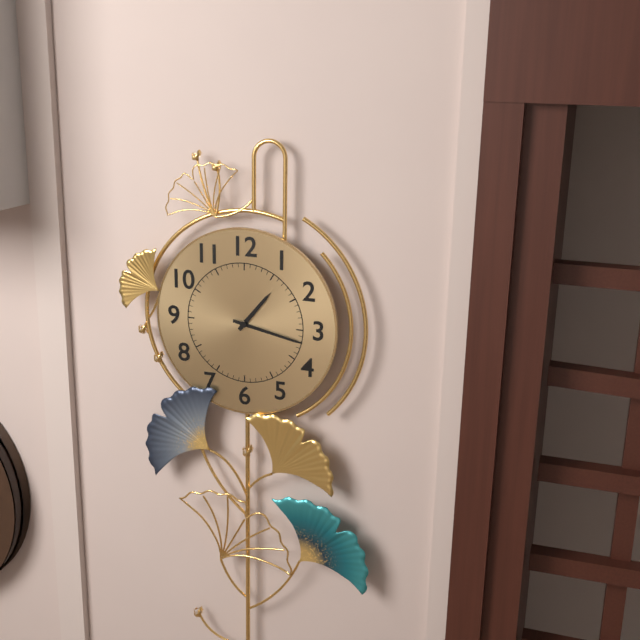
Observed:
{"hour": 1, "minute": 17}
